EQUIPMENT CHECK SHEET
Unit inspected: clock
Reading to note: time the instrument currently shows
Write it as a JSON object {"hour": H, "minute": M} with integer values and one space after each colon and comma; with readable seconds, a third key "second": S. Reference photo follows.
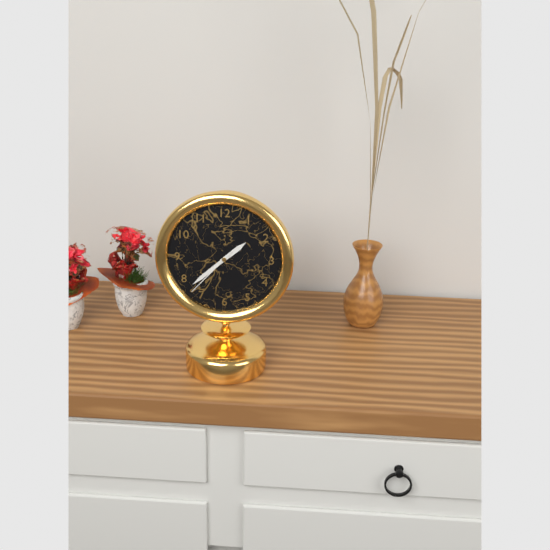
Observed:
{"hour": 1, "minute": 38, "second": 37}
